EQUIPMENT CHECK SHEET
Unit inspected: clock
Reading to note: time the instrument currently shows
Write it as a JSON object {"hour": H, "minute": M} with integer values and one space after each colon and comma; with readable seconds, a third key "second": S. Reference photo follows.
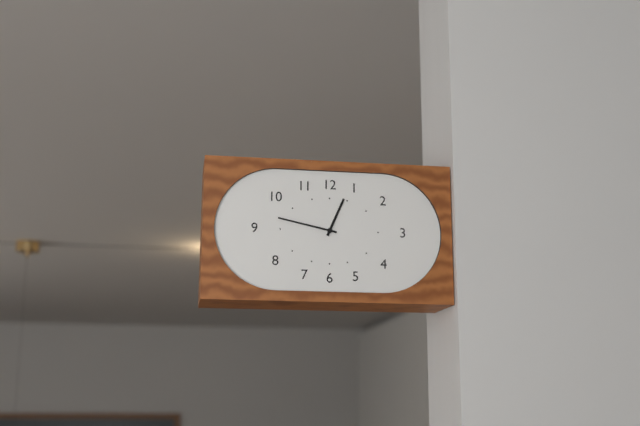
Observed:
{"hour": 12, "minute": 47}
